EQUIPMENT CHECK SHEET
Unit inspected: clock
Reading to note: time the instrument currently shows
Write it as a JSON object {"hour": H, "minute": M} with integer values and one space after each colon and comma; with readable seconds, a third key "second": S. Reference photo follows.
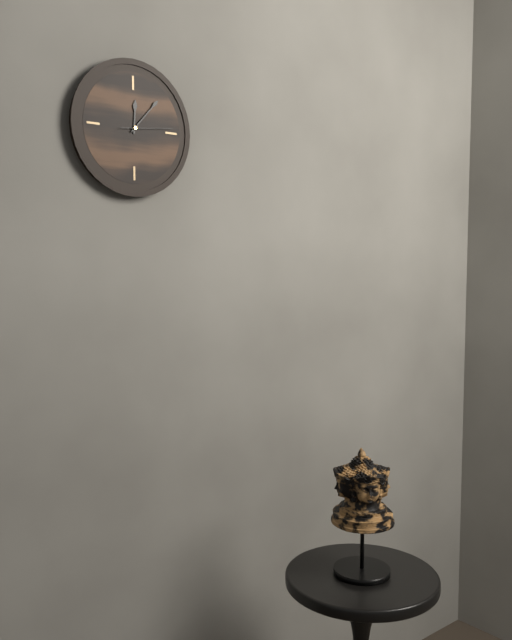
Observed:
{"hour": 12, "minute": 7}
